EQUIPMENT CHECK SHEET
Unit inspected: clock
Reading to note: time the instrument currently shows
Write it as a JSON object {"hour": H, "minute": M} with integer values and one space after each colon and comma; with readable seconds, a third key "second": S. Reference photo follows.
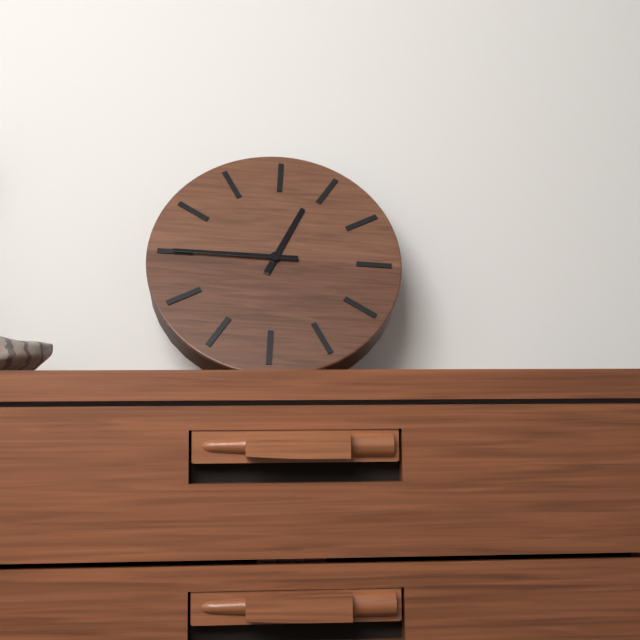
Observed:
{"hour": 12, "minute": 45}
